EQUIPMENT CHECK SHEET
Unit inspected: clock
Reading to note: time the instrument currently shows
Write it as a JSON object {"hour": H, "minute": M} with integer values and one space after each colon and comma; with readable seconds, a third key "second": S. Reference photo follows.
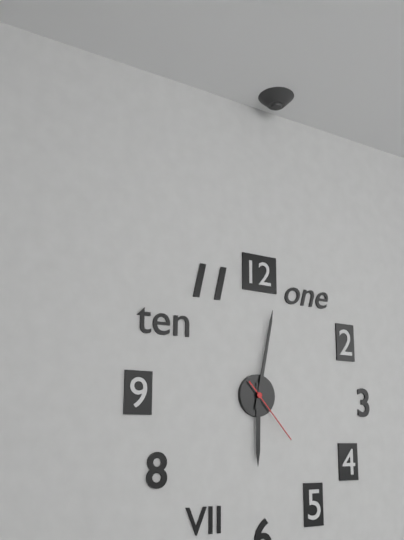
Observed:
{"hour": 6, "minute": 2, "second": 23}
